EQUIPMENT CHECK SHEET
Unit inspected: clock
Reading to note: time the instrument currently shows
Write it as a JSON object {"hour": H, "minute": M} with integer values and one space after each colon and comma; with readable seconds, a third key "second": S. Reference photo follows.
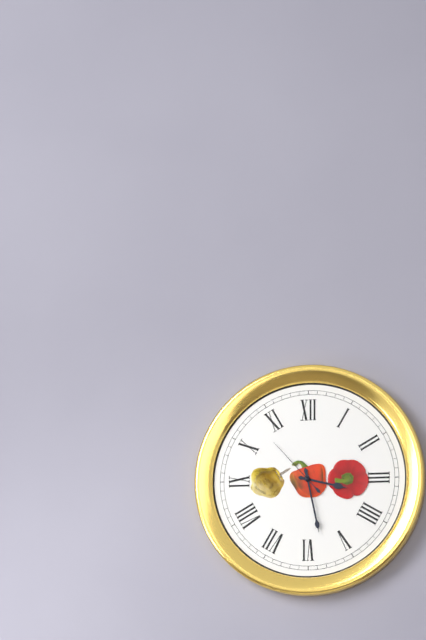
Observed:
{"hour": 3, "minute": 28, "second": 53}
